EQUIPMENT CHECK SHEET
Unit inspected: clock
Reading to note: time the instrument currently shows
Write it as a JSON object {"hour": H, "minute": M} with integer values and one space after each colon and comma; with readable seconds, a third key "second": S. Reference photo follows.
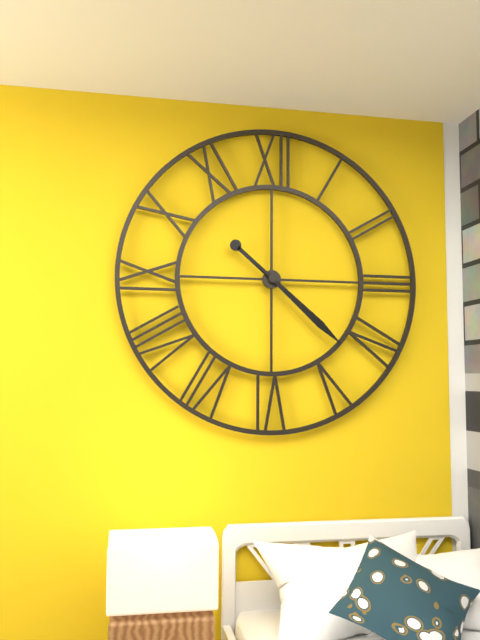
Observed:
{"hour": 10, "minute": 22}
